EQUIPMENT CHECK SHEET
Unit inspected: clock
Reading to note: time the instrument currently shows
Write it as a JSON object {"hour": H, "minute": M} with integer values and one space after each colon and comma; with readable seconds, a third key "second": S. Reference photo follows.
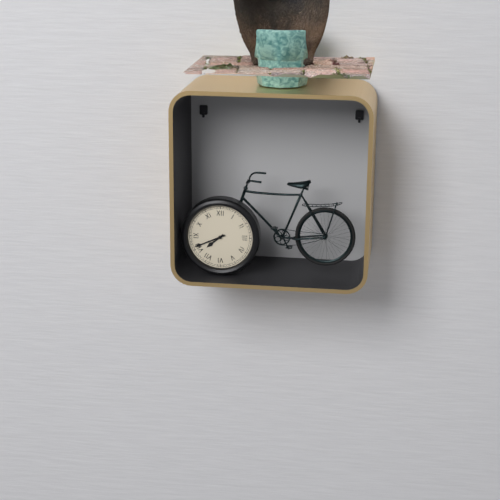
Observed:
{"hour": 7, "minute": 41}
